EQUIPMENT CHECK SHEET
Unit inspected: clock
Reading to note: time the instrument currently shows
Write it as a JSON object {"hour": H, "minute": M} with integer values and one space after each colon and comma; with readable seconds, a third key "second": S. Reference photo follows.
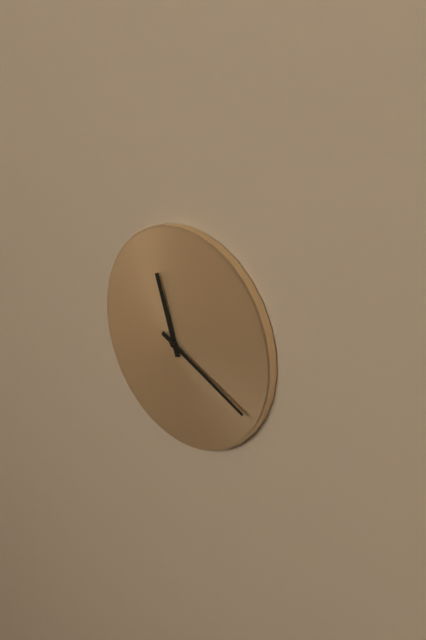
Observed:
{"hour": 11, "minute": 19}
